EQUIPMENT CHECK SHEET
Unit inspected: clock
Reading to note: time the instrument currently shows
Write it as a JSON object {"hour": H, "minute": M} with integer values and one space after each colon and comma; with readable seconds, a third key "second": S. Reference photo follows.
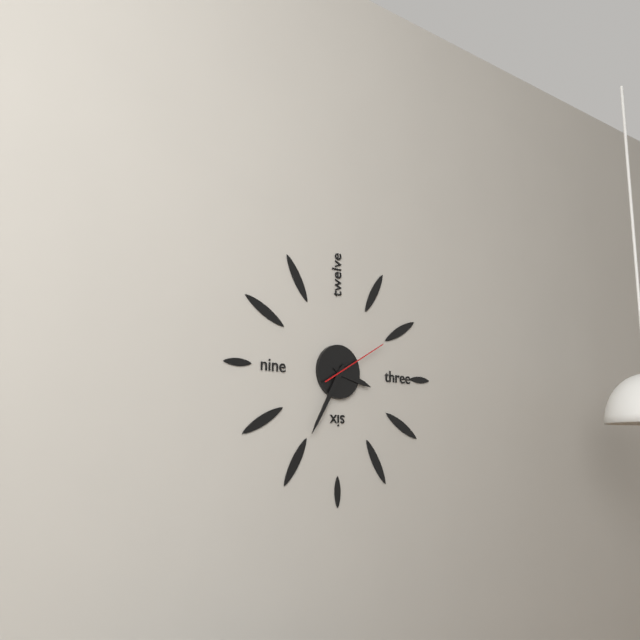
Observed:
{"hour": 3, "minute": 35, "second": 10}
